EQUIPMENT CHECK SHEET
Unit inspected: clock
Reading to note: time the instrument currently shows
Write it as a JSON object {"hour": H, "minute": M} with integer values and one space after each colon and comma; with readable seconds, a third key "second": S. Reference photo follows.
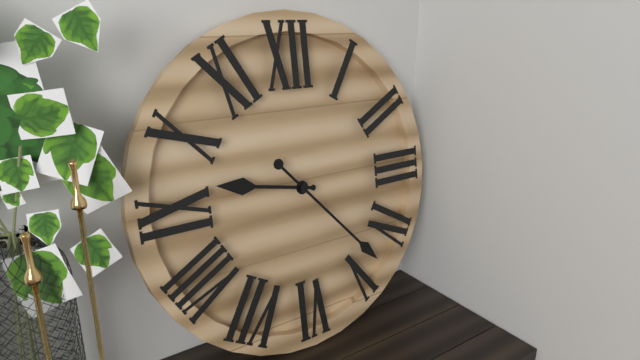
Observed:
{"hour": 9, "minute": 23}
